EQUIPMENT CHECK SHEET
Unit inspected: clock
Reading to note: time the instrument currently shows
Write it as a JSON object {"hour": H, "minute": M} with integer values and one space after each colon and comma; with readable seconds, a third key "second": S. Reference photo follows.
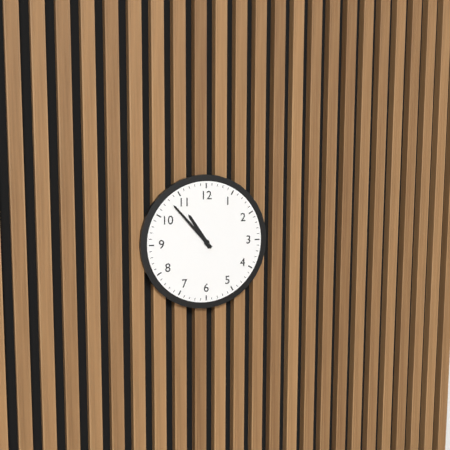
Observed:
{"hour": 10, "minute": 53}
